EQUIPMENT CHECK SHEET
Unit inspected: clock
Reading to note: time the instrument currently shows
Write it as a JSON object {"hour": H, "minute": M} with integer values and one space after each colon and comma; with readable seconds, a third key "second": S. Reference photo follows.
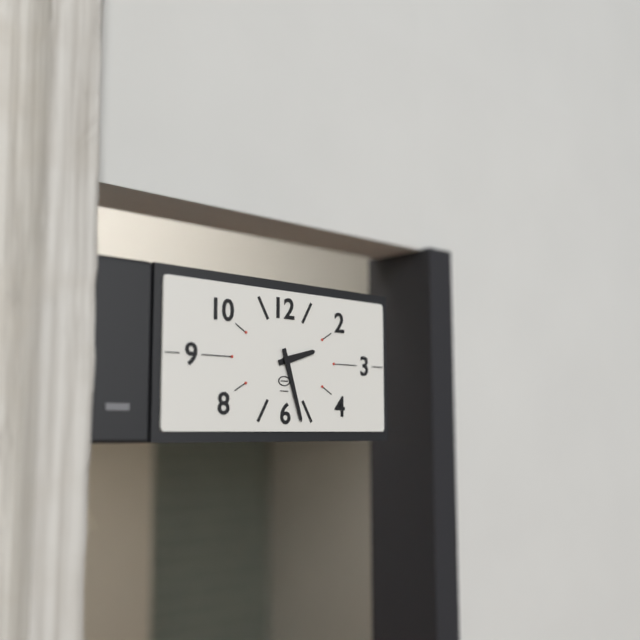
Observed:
{"hour": 2, "minute": 27}
